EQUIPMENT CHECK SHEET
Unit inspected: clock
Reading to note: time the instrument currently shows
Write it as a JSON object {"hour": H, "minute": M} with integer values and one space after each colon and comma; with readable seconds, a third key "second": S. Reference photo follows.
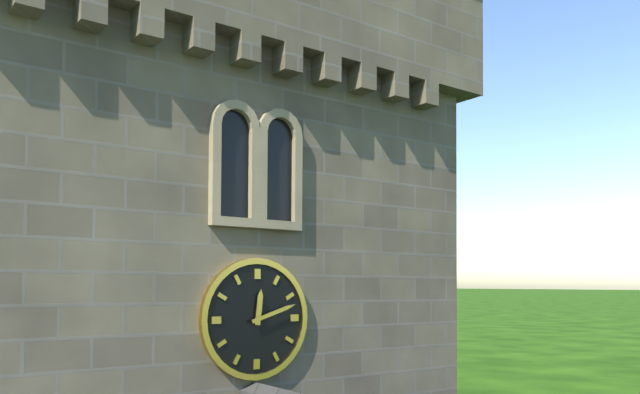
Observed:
{"hour": 12, "minute": 12}
